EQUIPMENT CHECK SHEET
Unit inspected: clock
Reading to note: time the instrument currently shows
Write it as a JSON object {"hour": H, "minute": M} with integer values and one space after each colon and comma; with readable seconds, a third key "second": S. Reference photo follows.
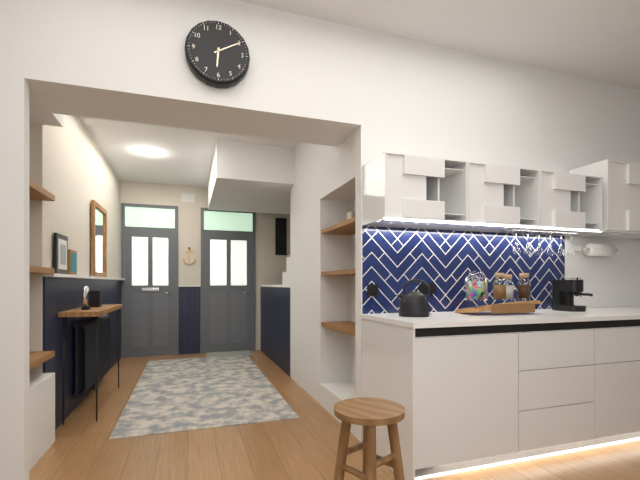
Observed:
{"hour": 6, "minute": 10}
